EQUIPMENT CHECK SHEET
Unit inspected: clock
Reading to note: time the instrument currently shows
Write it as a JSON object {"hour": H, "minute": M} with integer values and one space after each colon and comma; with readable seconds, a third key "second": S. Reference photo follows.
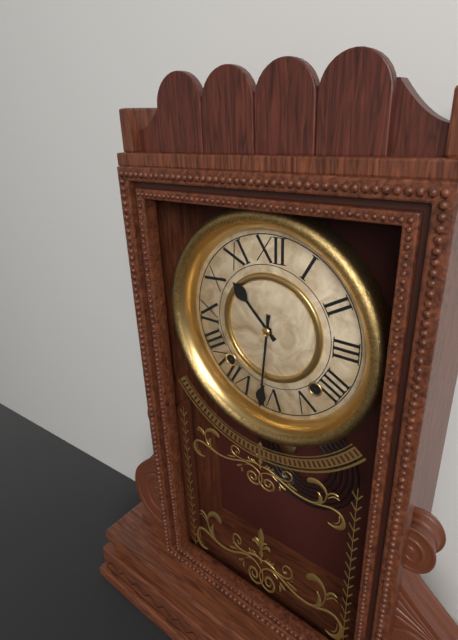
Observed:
{"hour": 10, "minute": 31}
